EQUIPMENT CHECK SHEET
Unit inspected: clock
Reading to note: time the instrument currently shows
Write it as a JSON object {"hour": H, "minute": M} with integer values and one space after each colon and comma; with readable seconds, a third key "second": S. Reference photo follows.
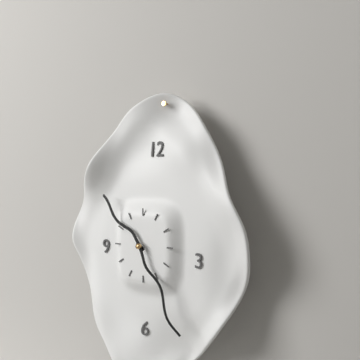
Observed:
{"hour": 10, "minute": 25}
